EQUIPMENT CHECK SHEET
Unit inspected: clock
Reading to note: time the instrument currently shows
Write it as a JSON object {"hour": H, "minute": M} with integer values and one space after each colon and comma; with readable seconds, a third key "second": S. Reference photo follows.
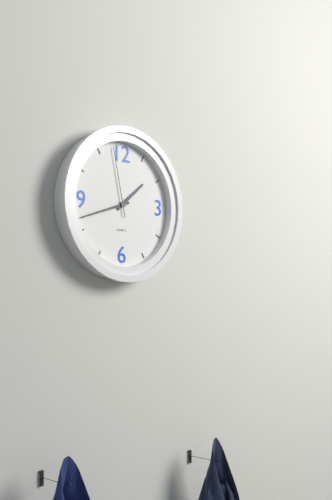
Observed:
{"hour": 1, "minute": 42, "second": 58}
